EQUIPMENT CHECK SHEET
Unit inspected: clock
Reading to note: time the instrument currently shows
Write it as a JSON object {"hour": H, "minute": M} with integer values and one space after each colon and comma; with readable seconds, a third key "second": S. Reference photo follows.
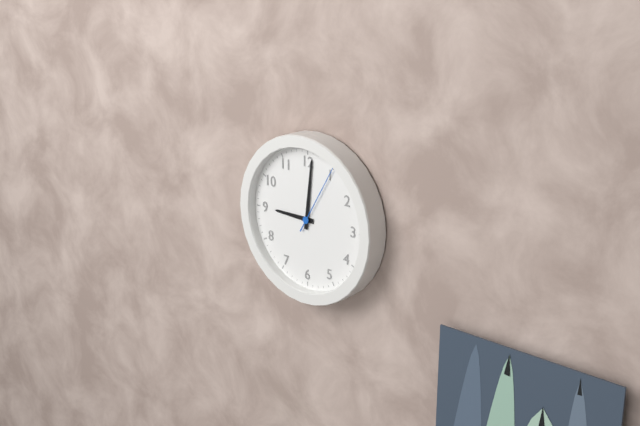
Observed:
{"hour": 9, "minute": 1, "second": 5}
